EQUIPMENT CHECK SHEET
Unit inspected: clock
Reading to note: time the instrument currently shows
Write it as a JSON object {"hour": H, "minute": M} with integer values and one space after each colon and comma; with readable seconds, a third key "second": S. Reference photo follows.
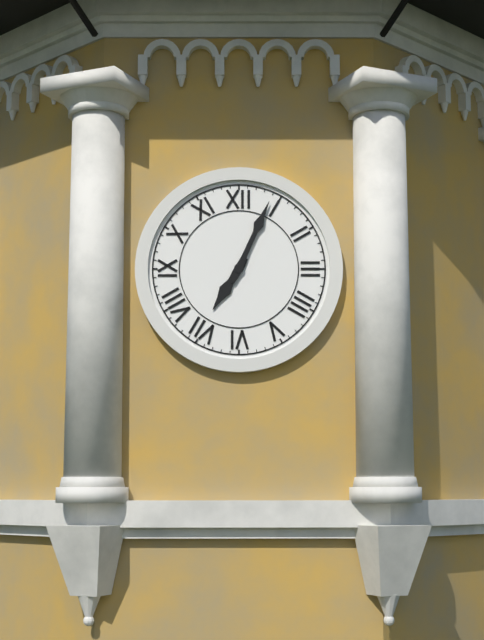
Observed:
{"hour": 7, "minute": 4}
